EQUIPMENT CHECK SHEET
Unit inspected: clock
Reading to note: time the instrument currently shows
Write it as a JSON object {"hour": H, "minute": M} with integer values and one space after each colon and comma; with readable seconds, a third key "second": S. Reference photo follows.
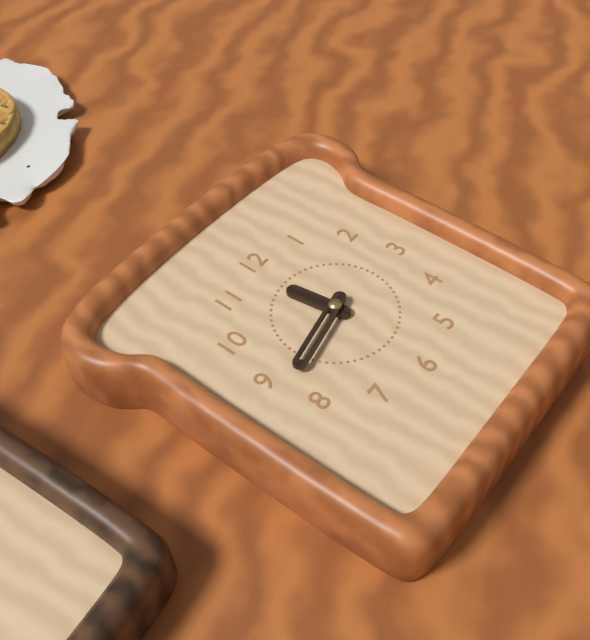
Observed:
{"hour": 11, "minute": 43}
